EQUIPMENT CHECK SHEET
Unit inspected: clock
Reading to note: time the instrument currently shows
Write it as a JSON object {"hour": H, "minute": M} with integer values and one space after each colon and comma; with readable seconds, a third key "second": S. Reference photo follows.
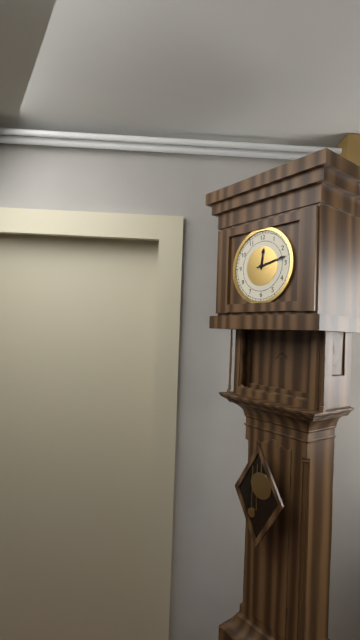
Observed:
{"hour": 12, "minute": 13}
